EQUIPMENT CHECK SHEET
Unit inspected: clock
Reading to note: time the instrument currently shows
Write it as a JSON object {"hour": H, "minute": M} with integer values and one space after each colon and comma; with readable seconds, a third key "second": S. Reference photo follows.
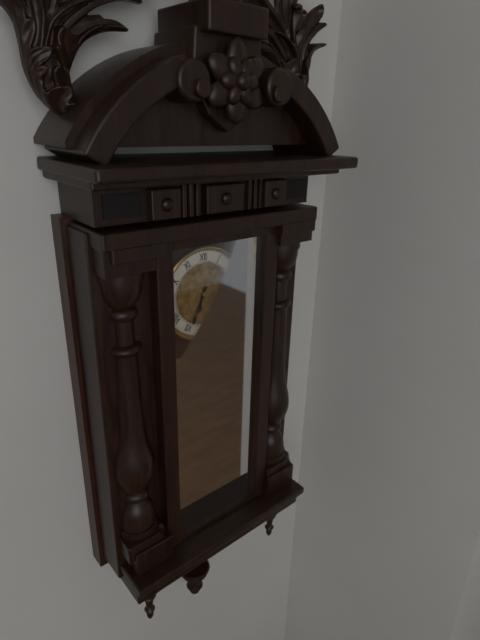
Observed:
{"hour": 6, "minute": 34}
